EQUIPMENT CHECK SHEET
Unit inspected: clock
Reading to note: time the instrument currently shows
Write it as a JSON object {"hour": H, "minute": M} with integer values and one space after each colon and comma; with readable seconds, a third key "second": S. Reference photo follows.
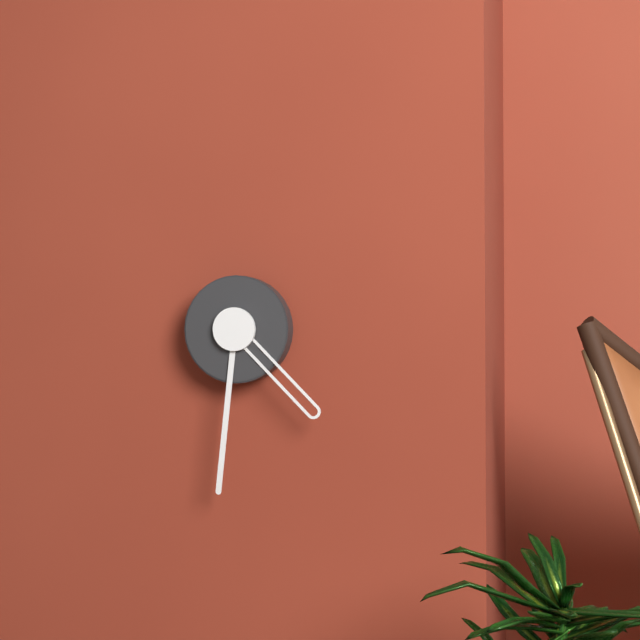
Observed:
{"hour": 4, "minute": 31}
